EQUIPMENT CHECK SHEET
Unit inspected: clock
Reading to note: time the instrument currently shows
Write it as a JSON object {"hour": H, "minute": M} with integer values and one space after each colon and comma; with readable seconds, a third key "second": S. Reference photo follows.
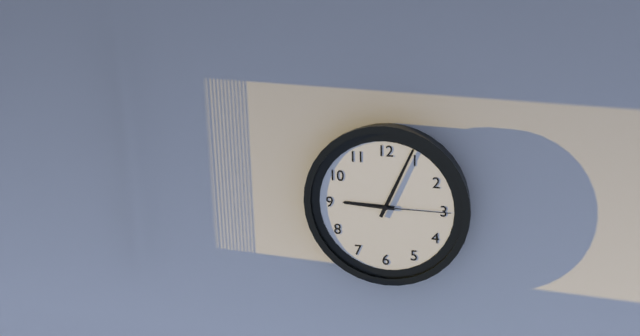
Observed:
{"hour": 9, "minute": 4, "second": 15}
